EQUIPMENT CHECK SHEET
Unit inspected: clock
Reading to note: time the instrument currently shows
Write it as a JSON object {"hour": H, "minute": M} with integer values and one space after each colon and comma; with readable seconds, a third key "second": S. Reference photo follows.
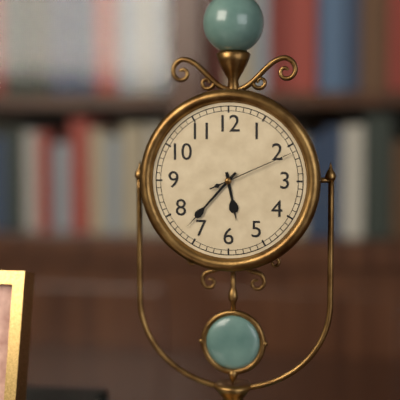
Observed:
{"hour": 5, "minute": 37, "second": 11}
